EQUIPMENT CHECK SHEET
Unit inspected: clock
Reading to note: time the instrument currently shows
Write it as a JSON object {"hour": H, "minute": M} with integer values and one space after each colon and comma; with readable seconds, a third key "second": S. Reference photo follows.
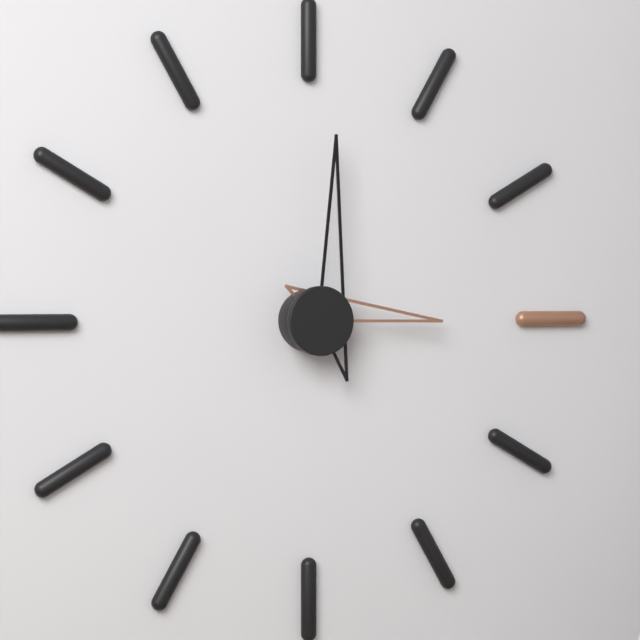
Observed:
{"hour": 3, "minute": 1}
